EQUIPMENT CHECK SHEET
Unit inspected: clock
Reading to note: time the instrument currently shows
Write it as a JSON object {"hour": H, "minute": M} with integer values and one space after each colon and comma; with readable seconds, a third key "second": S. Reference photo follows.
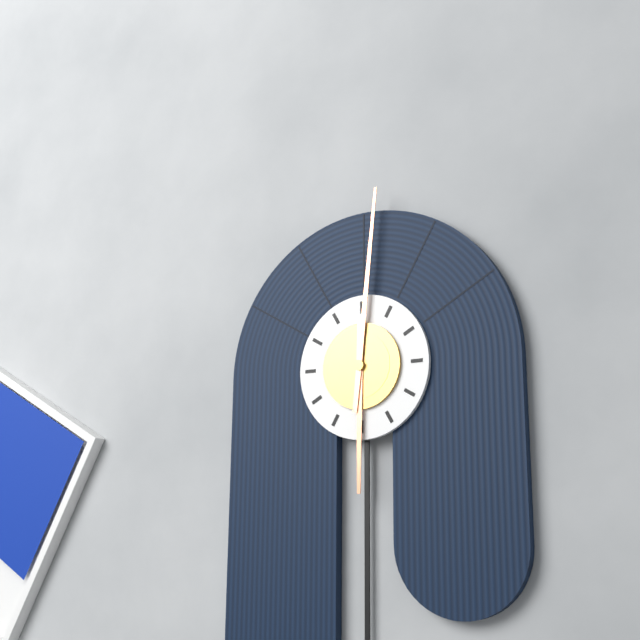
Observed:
{"hour": 6, "minute": 1}
